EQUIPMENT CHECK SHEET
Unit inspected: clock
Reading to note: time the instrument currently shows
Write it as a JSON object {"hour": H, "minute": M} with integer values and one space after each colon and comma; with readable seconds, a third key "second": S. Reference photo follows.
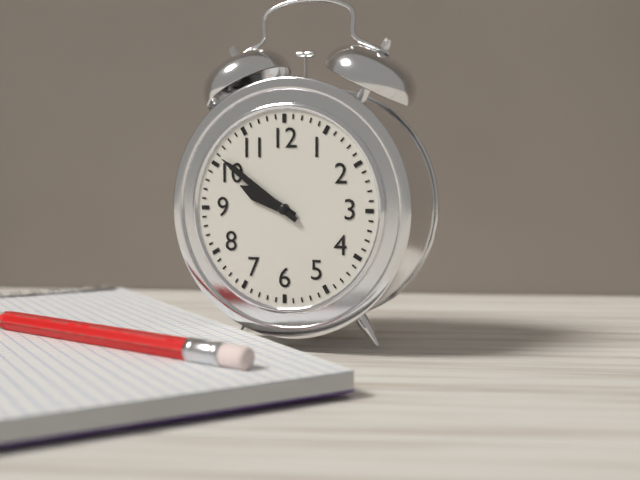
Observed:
{"hour": 9, "minute": 51}
